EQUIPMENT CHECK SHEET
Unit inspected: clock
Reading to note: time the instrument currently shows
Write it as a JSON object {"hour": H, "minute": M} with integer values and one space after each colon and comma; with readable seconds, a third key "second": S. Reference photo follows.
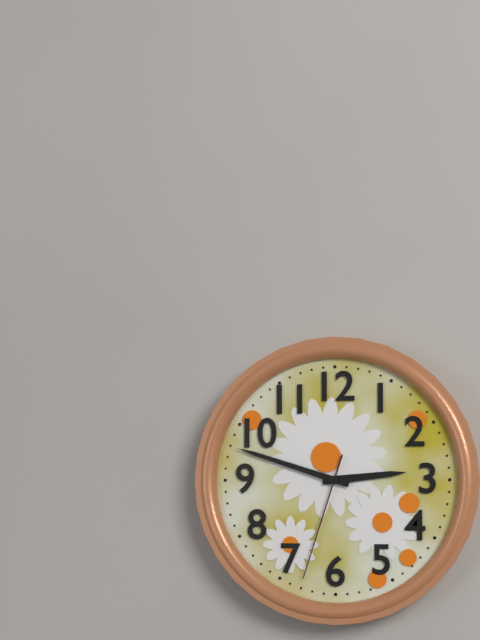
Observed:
{"hour": 2, "minute": 48, "second": 33}
